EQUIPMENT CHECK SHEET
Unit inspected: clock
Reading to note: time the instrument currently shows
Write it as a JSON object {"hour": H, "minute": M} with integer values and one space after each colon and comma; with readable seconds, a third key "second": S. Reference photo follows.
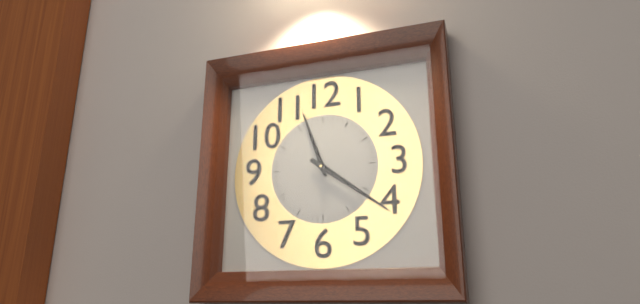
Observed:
{"hour": 11, "minute": 21}
